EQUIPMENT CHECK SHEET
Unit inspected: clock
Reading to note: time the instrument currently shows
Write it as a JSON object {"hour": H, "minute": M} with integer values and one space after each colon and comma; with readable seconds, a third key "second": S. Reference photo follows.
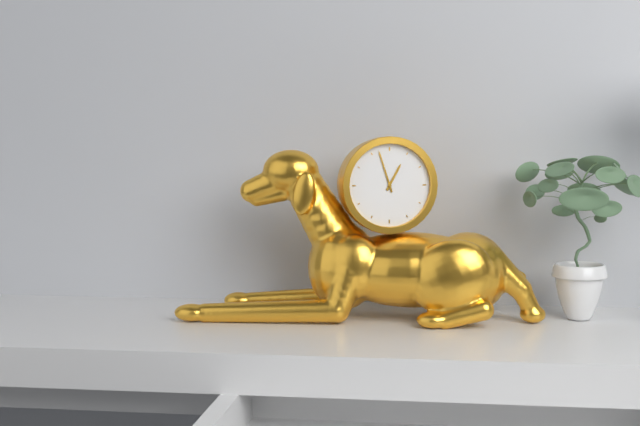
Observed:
{"hour": 12, "minute": 57}
